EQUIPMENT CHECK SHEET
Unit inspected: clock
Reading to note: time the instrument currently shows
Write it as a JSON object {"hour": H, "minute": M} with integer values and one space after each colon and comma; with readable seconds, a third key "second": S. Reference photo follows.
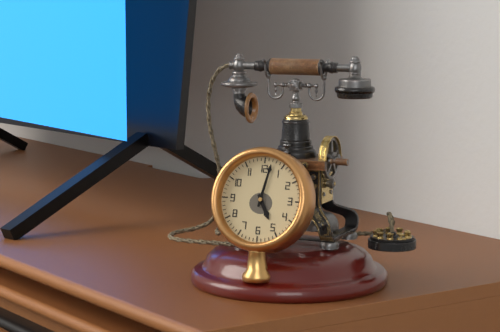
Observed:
{"hour": 5, "minute": 2}
